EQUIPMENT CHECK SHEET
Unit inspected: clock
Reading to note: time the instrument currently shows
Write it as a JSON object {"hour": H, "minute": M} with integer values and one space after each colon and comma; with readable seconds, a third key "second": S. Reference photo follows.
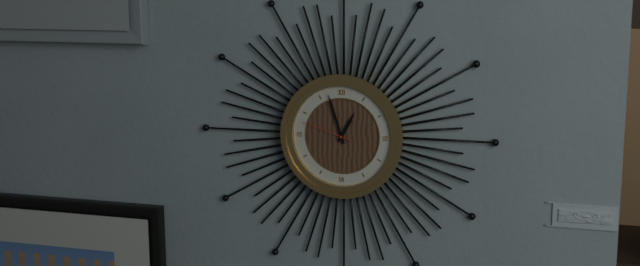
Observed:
{"hour": 12, "minute": 57, "second": 48}
